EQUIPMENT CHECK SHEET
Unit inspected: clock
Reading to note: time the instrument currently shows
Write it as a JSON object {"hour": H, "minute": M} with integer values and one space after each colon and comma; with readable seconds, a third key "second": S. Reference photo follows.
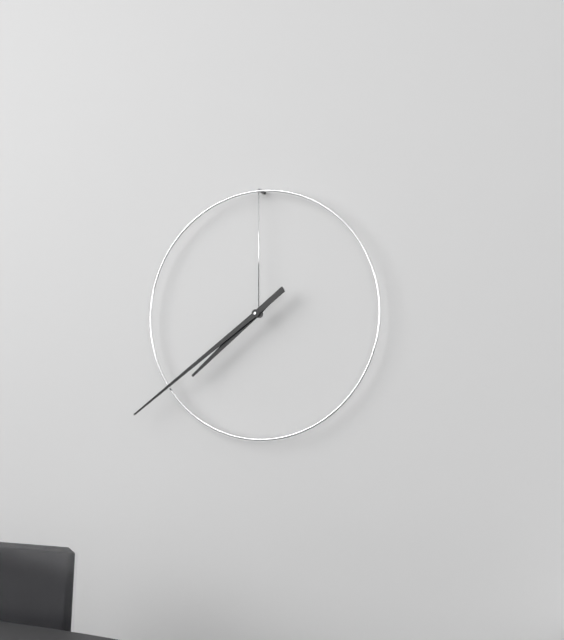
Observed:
{"hour": 7, "minute": 39}
